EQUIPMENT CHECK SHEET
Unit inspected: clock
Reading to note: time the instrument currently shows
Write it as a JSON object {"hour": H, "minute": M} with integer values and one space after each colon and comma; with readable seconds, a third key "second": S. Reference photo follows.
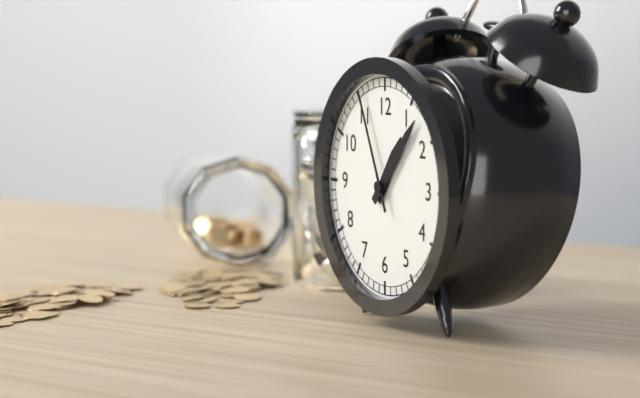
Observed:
{"hour": 1, "minute": 7, "second": 56}
